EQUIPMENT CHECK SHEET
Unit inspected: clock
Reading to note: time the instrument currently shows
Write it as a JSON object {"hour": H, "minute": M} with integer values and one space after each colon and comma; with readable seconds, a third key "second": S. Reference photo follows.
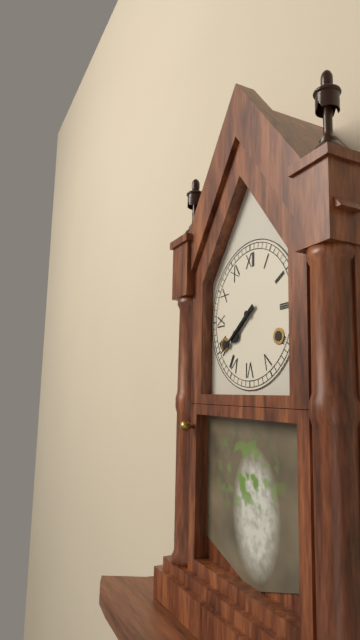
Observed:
{"hour": 7, "minute": 39}
